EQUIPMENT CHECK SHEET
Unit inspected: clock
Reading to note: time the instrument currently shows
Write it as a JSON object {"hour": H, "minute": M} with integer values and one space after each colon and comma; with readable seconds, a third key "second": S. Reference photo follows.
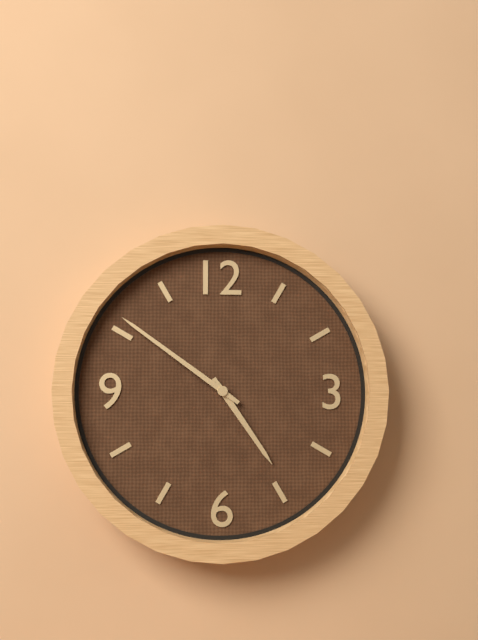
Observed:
{"hour": 4, "minute": 51}
